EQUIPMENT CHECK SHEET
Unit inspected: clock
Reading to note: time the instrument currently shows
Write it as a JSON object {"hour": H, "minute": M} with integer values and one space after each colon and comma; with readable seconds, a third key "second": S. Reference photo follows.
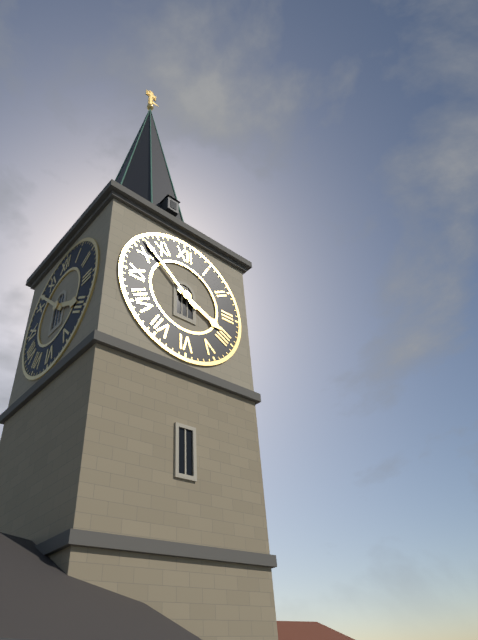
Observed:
{"hour": 3, "minute": 52}
